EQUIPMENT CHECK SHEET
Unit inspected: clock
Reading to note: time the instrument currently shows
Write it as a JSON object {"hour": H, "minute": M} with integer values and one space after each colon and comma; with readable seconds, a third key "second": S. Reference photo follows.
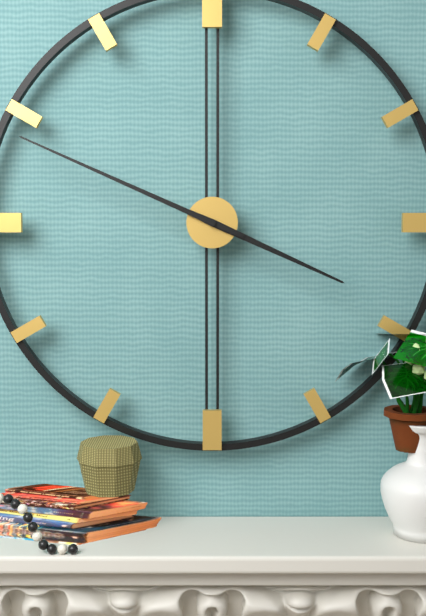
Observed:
{"hour": 3, "minute": 49}
